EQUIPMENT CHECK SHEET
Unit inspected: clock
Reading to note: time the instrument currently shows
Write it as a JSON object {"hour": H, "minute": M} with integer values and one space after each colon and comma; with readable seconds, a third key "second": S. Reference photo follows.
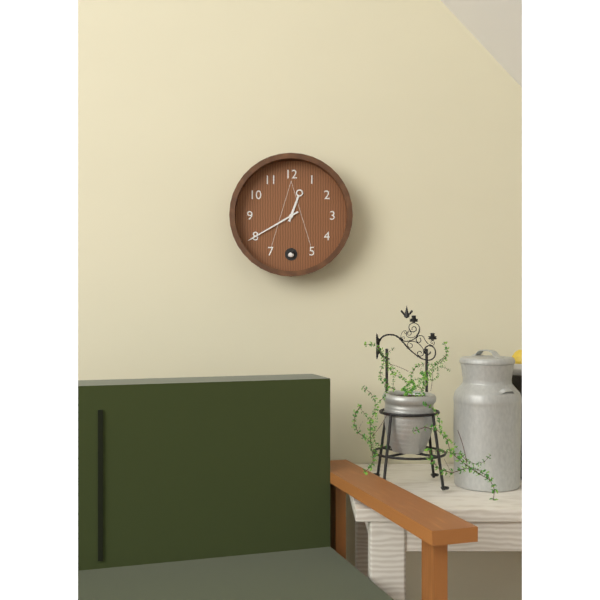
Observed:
{"hour": 12, "minute": 40}
